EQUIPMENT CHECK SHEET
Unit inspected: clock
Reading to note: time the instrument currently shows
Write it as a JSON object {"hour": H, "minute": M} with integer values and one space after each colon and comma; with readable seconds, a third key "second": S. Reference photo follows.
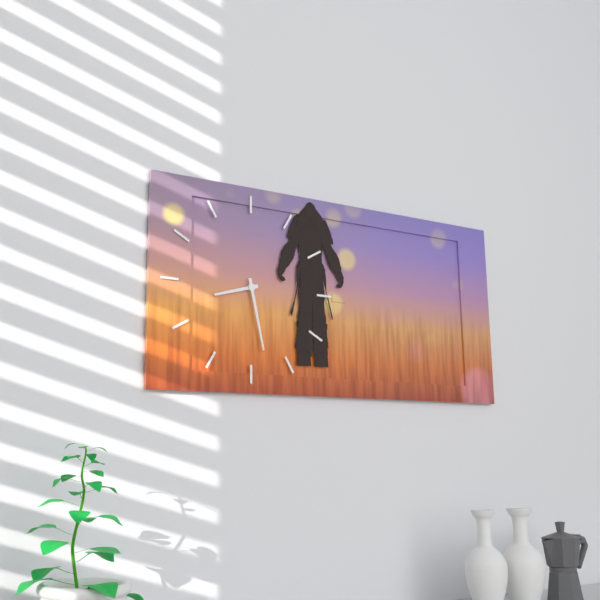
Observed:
{"hour": 8, "minute": 28}
